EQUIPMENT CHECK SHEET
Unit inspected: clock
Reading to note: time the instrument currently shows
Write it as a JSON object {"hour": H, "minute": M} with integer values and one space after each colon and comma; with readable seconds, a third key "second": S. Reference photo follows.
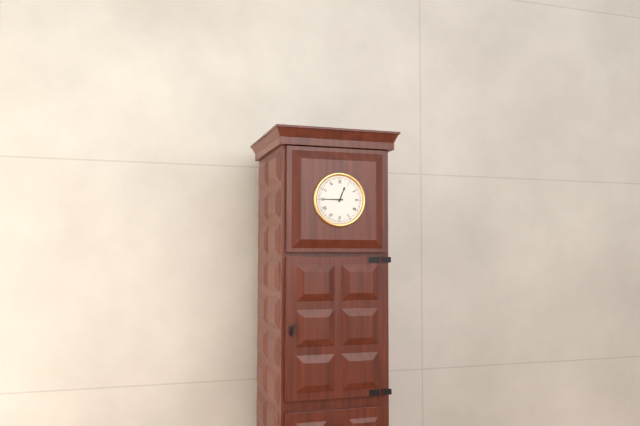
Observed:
{"hour": 12, "minute": 45}
